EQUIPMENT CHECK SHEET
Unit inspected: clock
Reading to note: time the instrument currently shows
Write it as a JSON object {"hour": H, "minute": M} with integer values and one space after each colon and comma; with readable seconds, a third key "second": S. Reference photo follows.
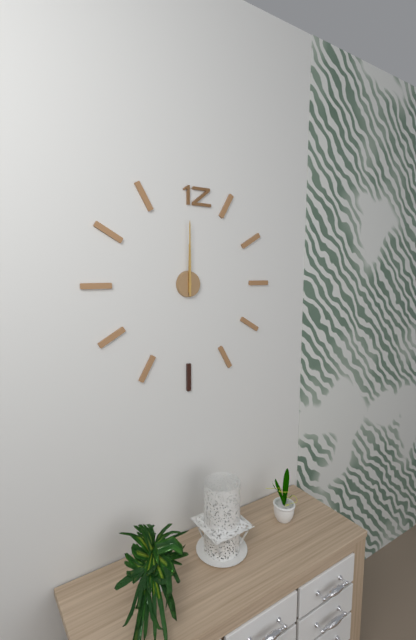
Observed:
{"hour": 12, "minute": 0}
